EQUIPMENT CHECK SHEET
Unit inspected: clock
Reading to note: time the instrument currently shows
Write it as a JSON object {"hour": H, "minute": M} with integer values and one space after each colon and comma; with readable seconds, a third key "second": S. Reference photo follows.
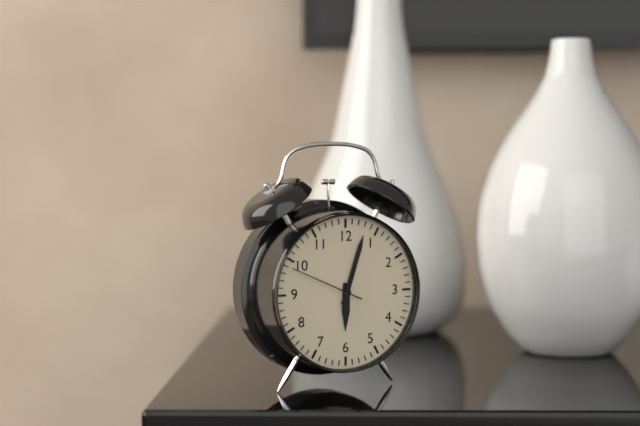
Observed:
{"hour": 6, "minute": 3, "second": 49}
